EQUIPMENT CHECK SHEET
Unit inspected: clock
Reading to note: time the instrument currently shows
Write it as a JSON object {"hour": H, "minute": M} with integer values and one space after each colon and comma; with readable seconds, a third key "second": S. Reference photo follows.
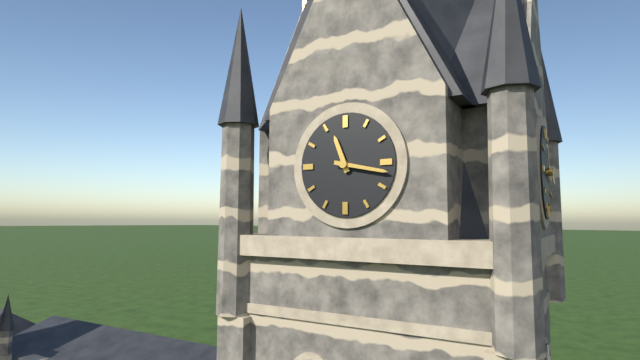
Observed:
{"hour": 11, "minute": 17}
